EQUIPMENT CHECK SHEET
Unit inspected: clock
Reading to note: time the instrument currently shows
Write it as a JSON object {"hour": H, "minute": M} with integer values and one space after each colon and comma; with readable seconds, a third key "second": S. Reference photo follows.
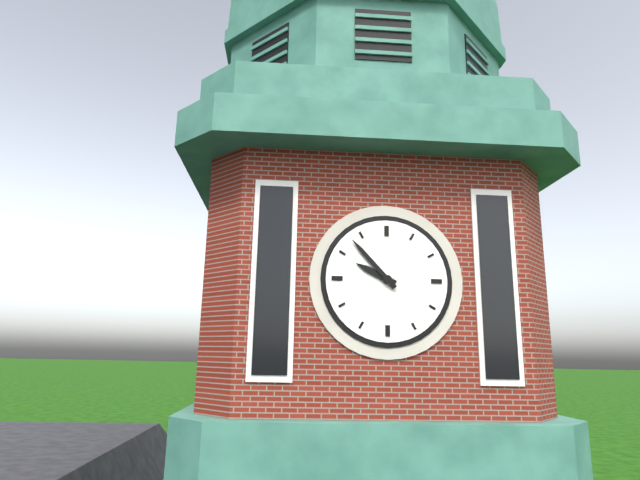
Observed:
{"hour": 9, "minute": 53}
